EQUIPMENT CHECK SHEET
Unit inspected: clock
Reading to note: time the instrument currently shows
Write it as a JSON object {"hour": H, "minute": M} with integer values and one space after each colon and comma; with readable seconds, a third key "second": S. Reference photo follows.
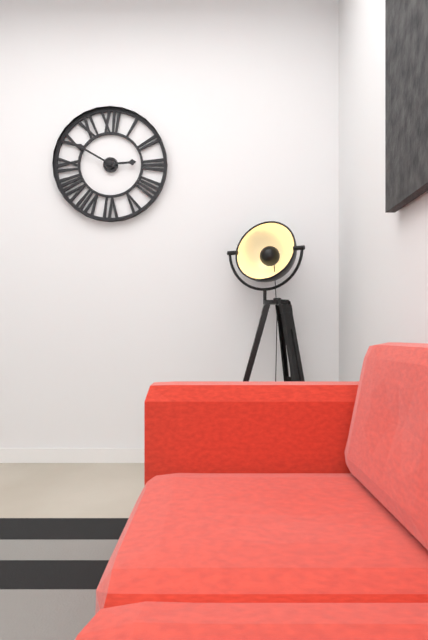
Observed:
{"hour": 2, "minute": 50}
